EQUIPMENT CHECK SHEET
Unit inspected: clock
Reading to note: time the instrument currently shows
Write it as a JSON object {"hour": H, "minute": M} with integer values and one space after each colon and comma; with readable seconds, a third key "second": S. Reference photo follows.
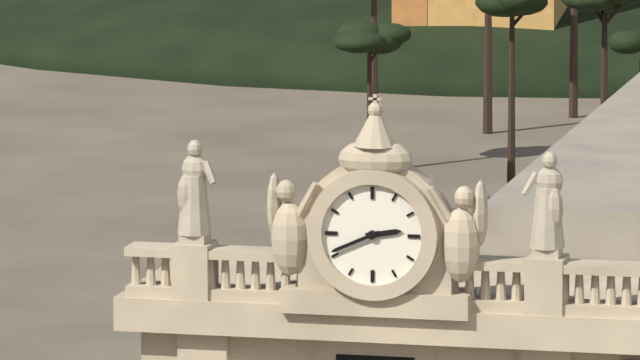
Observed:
{"hour": 2, "minute": 41}
